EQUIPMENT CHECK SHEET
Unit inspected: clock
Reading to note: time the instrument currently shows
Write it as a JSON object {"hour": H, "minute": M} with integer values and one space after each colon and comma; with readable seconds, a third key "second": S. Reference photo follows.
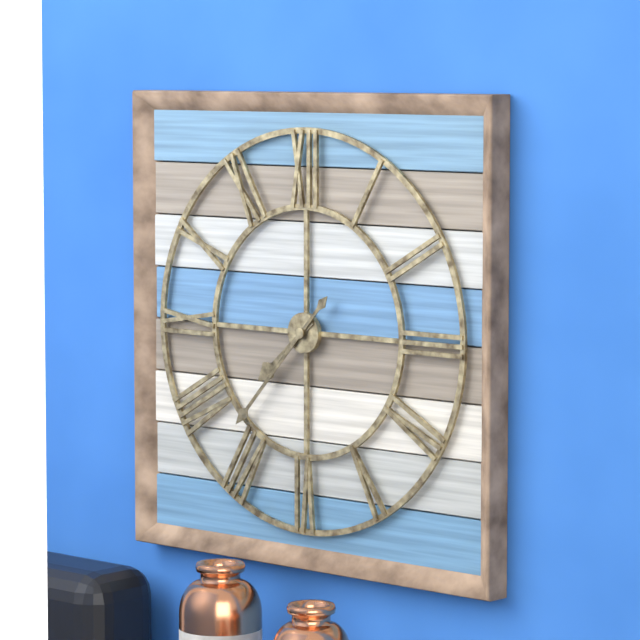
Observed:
{"hour": 7, "minute": 37}
